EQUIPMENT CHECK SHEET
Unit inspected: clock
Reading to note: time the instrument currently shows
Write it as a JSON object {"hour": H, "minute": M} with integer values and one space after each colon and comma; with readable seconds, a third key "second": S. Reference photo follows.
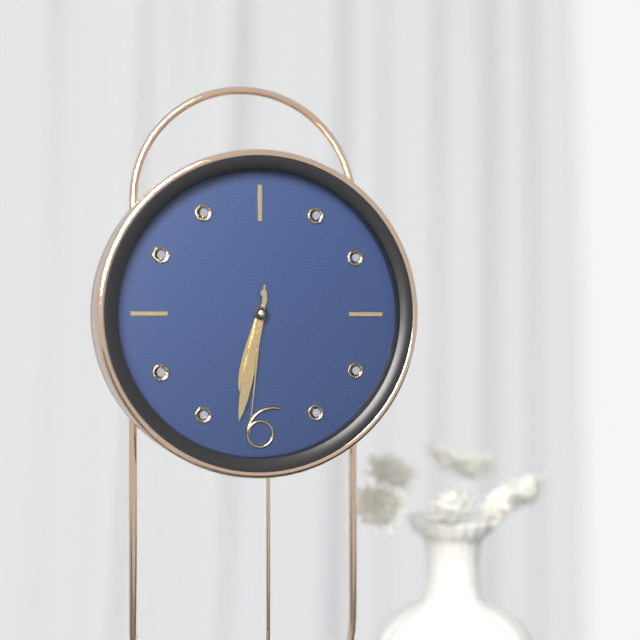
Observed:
{"hour": 6, "minute": 32, "second": 31}
